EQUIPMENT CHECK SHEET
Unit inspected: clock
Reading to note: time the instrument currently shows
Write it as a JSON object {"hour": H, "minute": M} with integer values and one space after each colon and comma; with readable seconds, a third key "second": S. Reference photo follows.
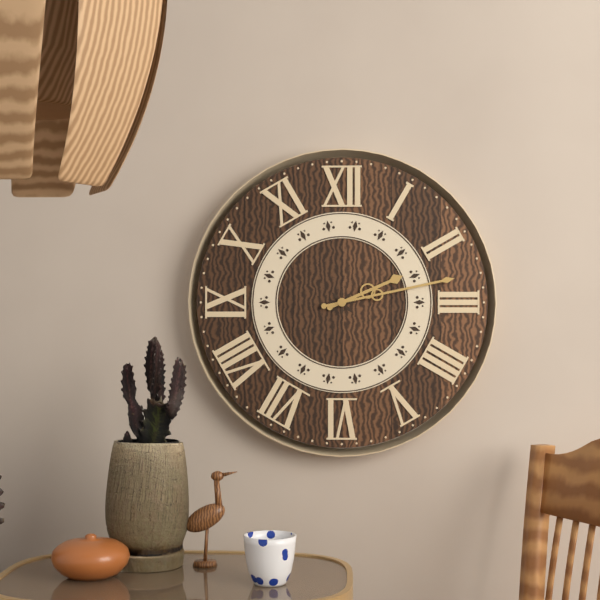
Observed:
{"hour": 2, "minute": 13}
